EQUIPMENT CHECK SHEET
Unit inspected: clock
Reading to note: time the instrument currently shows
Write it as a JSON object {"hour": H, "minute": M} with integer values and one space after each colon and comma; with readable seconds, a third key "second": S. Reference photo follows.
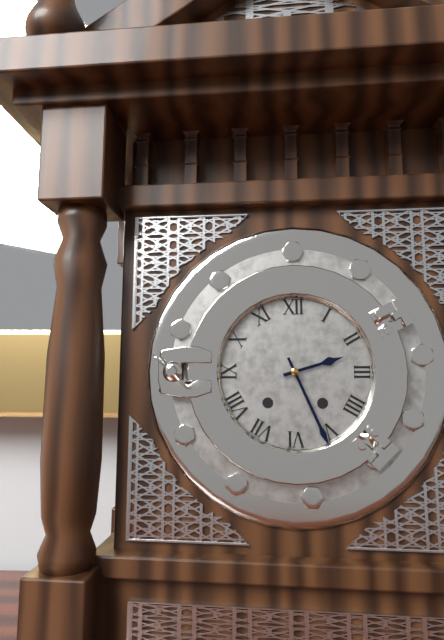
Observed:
{"hour": 2, "minute": 26}
